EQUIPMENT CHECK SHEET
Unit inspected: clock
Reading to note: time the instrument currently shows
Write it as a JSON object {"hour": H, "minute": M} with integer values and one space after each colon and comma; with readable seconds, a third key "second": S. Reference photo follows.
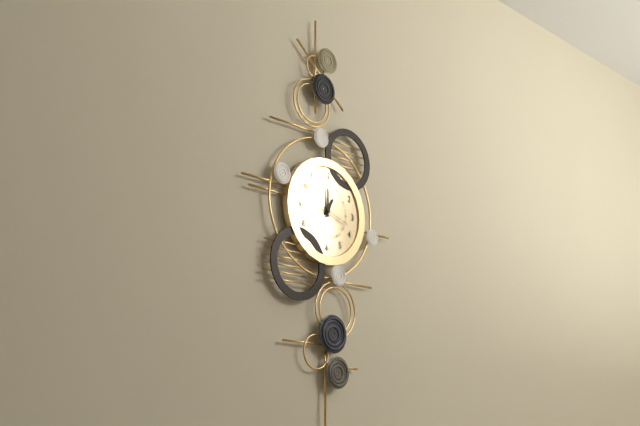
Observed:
{"hour": 1, "minute": 0}
